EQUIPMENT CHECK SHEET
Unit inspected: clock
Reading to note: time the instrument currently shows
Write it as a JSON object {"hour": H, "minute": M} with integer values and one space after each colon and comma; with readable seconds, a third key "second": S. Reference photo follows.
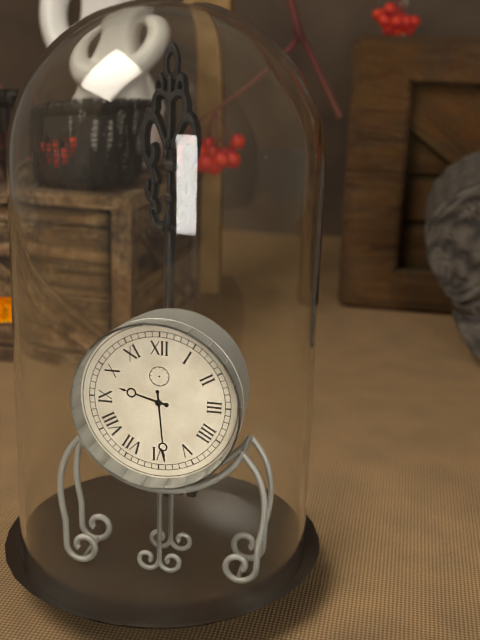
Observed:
{"hour": 9, "minute": 29}
